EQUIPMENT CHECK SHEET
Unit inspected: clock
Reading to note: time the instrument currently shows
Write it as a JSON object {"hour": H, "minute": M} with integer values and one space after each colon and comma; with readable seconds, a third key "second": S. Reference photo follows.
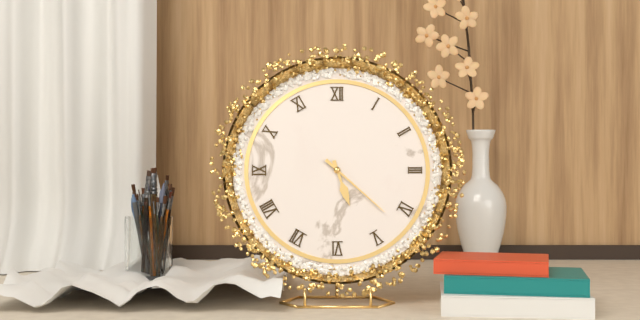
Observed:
{"hour": 5, "minute": 22}
